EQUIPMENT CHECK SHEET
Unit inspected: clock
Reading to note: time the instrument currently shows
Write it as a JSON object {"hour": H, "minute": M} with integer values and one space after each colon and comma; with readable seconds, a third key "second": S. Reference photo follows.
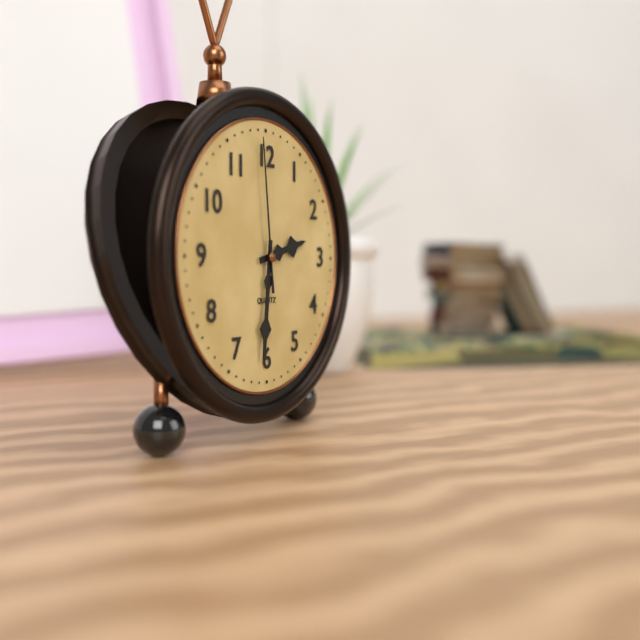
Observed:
{"hour": 2, "minute": 31, "second": 59}
